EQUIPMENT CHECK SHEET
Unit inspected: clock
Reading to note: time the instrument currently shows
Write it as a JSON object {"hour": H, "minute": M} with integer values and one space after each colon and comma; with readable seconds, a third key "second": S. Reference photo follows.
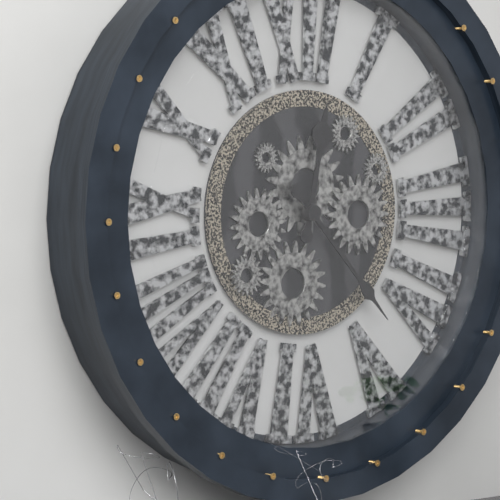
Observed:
{"hour": 12, "minute": 23}
